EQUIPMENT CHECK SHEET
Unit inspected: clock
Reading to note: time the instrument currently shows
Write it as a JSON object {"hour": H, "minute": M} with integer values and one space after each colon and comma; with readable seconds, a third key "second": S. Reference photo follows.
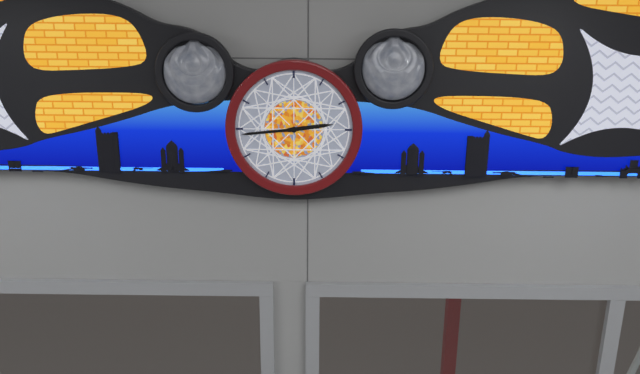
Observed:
{"hour": 2, "minute": 44}
